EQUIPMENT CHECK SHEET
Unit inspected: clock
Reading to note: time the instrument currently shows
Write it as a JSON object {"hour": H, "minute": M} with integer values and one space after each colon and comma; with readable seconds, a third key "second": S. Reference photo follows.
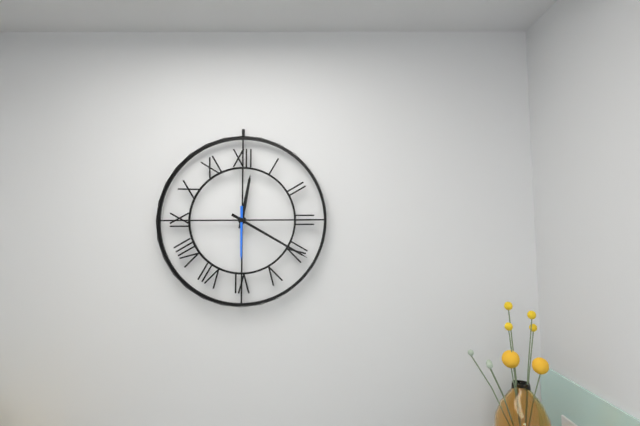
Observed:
{"hour": 12, "minute": 20, "second": 30}
